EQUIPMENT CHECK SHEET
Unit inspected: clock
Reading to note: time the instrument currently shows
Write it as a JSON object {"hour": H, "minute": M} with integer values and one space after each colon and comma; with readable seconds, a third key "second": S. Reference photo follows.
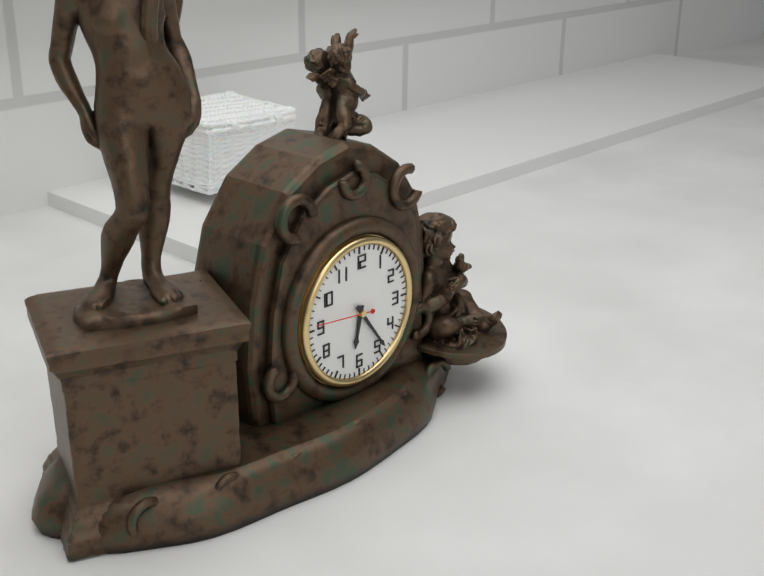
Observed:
{"hour": 6, "minute": 24, "second": 46}
